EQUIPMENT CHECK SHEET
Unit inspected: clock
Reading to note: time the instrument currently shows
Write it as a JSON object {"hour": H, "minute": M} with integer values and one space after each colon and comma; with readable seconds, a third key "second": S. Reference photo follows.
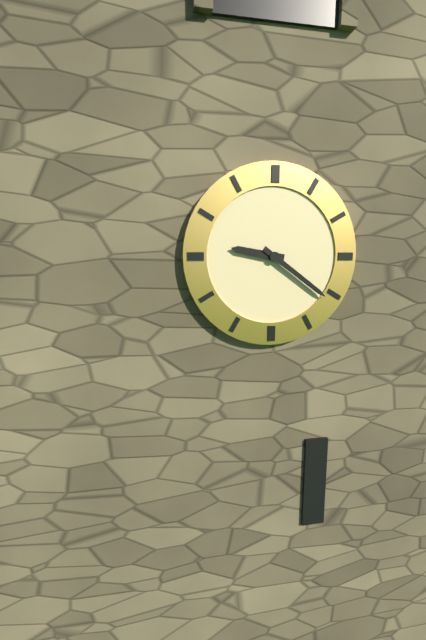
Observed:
{"hour": 9, "minute": 21}
